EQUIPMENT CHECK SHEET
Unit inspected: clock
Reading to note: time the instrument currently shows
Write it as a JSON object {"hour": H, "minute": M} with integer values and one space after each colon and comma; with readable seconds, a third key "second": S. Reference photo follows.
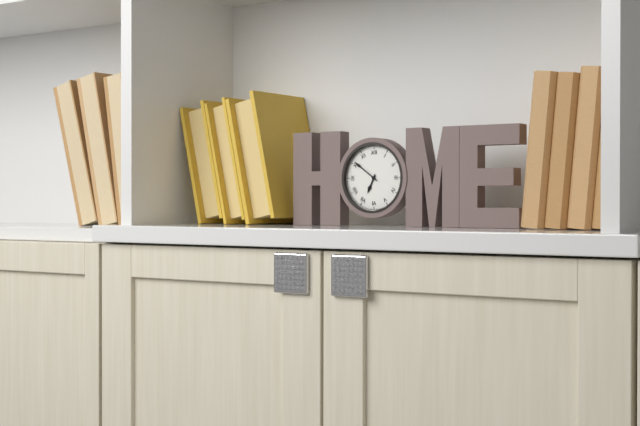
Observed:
{"hour": 6, "minute": 51}
